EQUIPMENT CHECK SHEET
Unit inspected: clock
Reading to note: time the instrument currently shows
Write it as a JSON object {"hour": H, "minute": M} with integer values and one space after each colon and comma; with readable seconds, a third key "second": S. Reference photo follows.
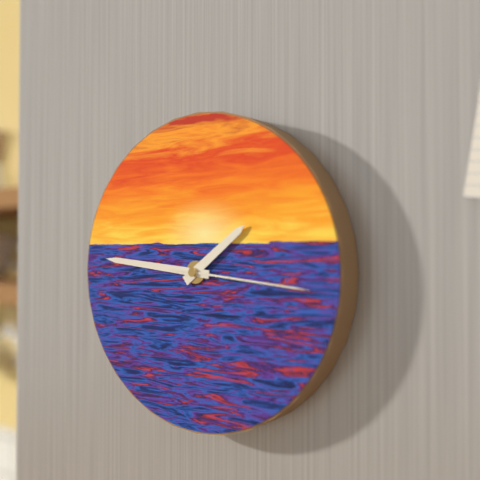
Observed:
{"hour": 1, "minute": 46, "second": 16}
